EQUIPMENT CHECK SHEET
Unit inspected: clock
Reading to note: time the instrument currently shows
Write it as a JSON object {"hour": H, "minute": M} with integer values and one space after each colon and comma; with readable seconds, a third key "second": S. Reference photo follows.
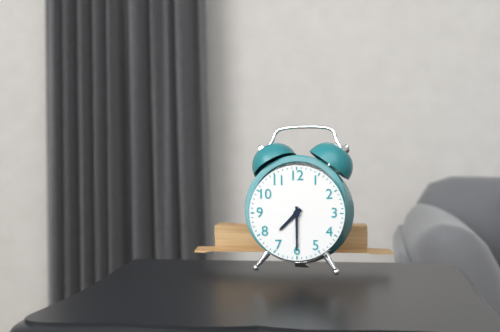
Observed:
{"hour": 7, "minute": 30}
